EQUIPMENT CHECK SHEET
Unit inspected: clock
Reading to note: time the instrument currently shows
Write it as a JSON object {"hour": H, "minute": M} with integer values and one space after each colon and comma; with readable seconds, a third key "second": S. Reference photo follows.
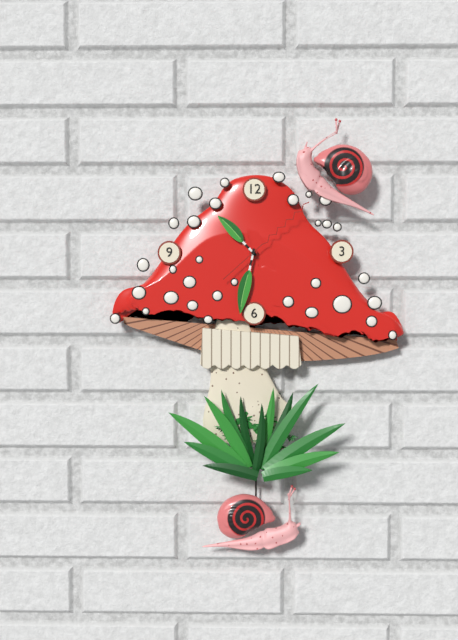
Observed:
{"hour": 10, "minute": 32, "second": 8}
